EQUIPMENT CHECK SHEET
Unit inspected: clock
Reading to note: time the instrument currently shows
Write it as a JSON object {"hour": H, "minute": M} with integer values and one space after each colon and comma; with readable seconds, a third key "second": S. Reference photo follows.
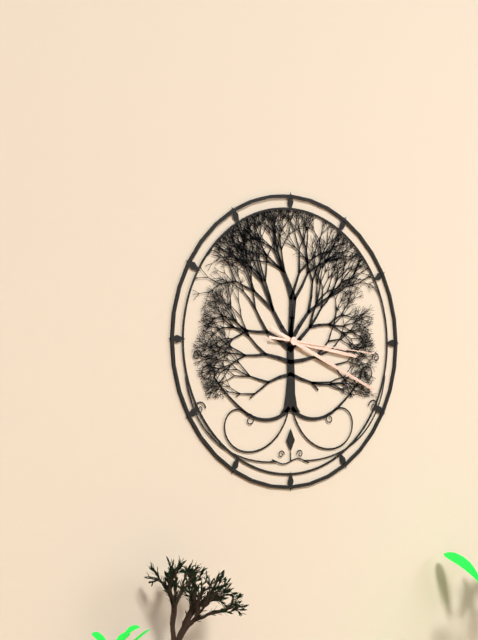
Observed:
{"hour": 3, "minute": 19, "second": 16}
